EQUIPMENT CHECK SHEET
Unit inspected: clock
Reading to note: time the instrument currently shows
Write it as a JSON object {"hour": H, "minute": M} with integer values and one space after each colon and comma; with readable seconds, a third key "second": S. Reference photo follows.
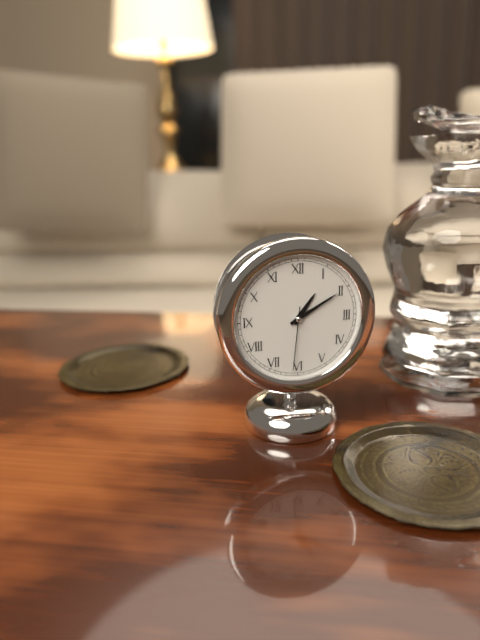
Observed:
{"hour": 1, "minute": 10, "second": 31}
